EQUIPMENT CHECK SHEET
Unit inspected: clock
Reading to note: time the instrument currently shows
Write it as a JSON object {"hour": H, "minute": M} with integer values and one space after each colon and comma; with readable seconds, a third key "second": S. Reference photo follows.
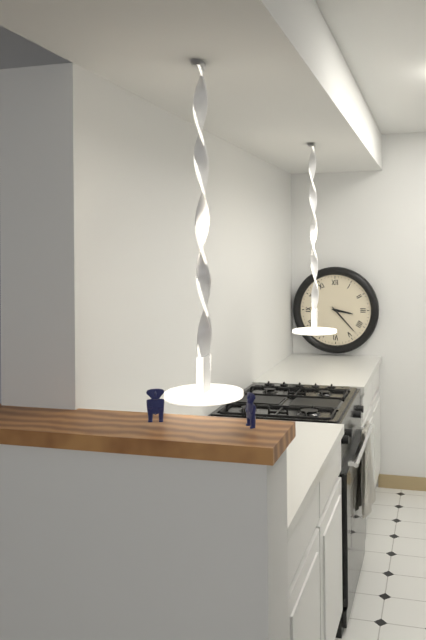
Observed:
{"hour": 3, "minute": 23}
